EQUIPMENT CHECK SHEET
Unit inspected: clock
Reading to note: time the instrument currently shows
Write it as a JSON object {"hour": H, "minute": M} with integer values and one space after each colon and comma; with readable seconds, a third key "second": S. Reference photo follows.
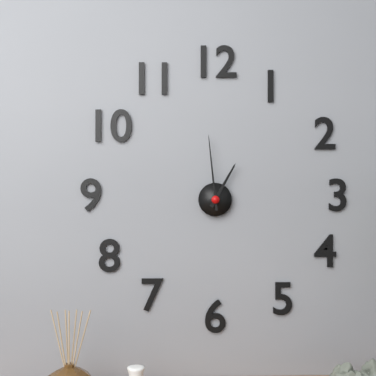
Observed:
{"hour": 12, "minute": 59}
